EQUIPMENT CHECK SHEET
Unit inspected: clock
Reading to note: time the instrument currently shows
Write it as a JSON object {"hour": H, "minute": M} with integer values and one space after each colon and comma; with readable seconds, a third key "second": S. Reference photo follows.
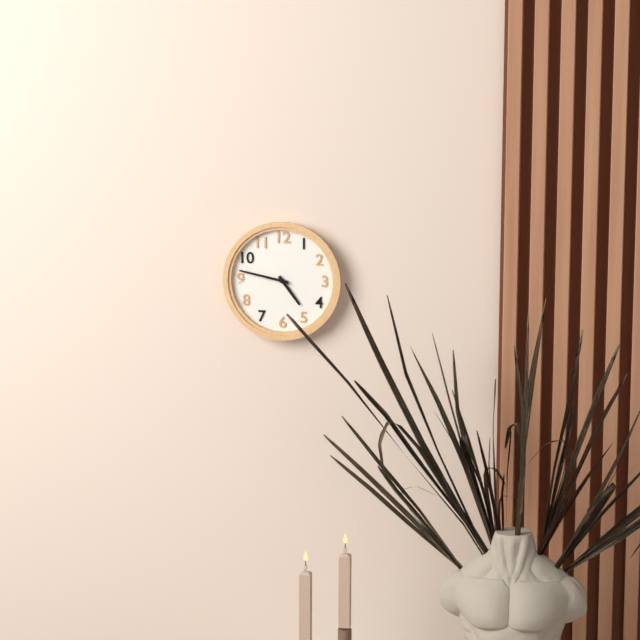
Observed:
{"hour": 4, "minute": 47}
